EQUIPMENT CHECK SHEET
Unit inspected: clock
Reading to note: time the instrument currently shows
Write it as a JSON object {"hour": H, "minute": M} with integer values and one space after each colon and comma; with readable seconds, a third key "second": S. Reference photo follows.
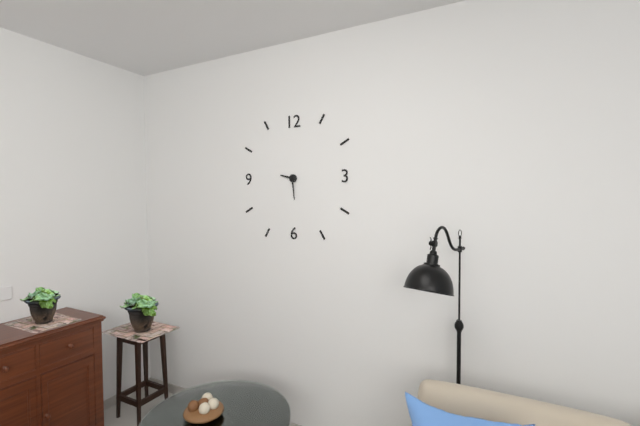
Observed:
{"hour": 9, "minute": 29}
